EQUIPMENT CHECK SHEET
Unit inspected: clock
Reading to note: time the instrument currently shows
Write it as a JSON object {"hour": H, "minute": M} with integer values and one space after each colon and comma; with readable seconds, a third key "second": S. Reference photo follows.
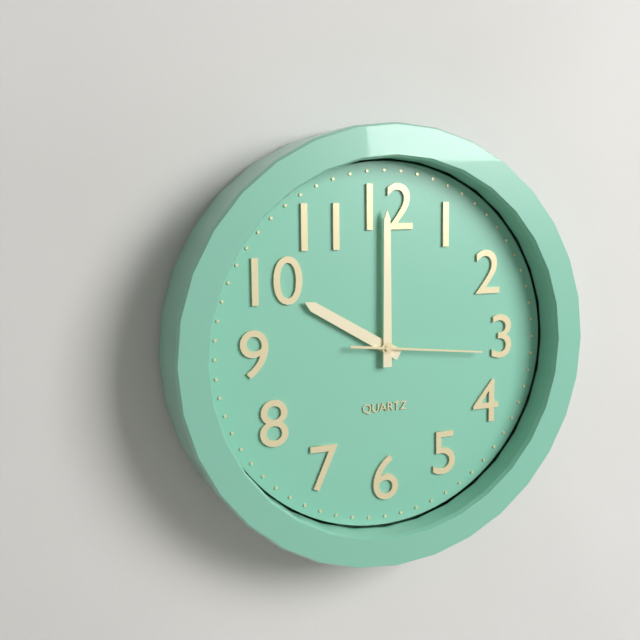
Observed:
{"hour": 10, "minute": 0, "second": 16}
